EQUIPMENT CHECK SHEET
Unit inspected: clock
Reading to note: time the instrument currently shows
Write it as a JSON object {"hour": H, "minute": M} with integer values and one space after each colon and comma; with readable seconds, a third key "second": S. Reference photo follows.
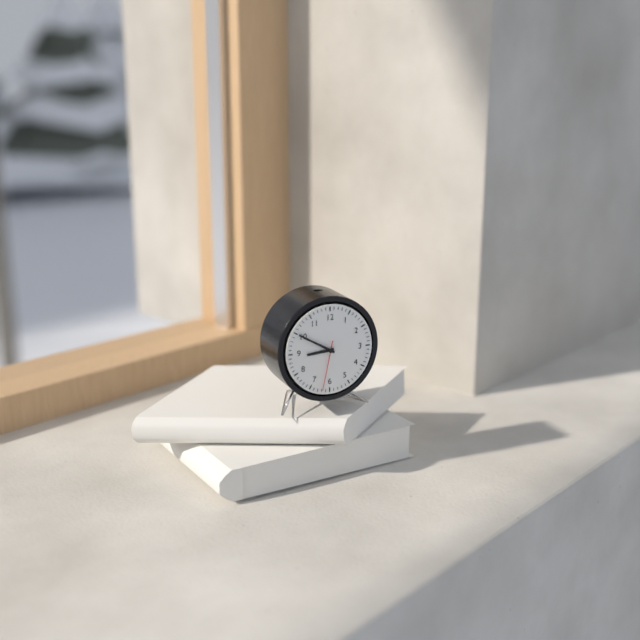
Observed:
{"hour": 8, "minute": 50, "second": 32}
